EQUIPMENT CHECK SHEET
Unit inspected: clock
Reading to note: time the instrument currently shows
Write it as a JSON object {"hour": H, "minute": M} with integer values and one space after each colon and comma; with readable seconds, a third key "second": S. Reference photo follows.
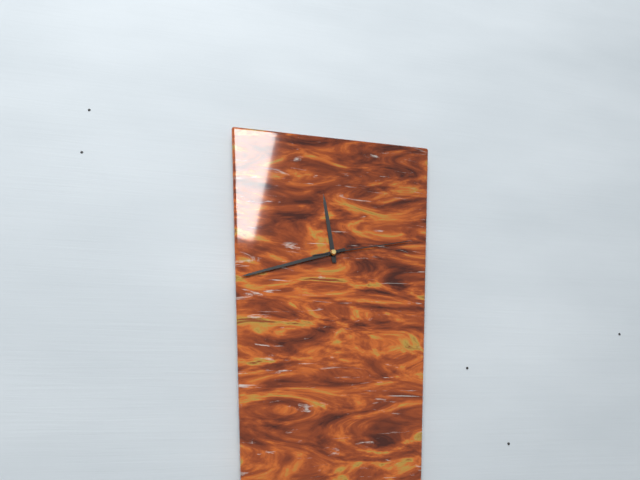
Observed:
{"hour": 11, "minute": 42, "second": 13}
